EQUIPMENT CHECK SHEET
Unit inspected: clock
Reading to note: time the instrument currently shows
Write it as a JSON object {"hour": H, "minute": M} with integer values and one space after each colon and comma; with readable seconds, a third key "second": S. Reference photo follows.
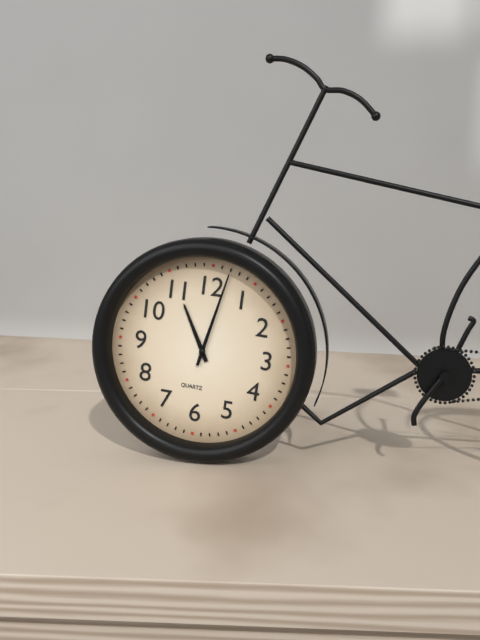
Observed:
{"hour": 11, "minute": 2}
